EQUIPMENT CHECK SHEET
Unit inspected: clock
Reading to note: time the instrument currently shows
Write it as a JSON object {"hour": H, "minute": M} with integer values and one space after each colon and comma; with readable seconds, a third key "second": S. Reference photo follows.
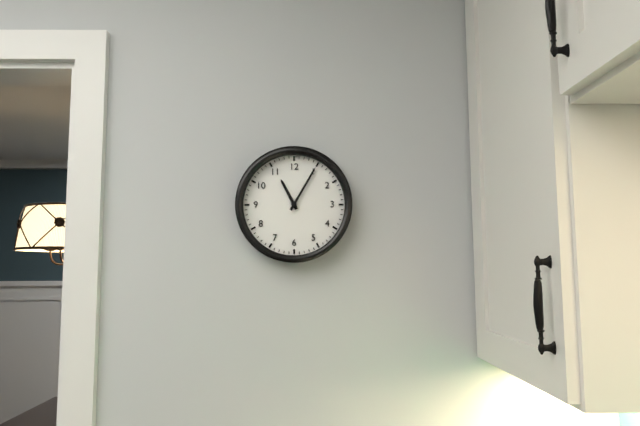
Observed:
{"hour": 11, "minute": 5}
